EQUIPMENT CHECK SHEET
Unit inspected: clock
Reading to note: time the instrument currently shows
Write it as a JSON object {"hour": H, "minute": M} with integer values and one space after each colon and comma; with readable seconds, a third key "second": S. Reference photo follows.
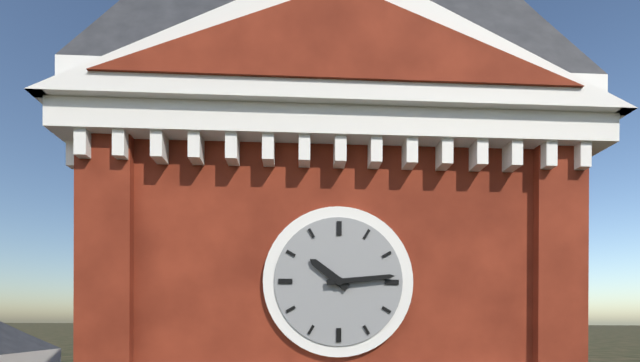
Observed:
{"hour": 10, "minute": 14}
